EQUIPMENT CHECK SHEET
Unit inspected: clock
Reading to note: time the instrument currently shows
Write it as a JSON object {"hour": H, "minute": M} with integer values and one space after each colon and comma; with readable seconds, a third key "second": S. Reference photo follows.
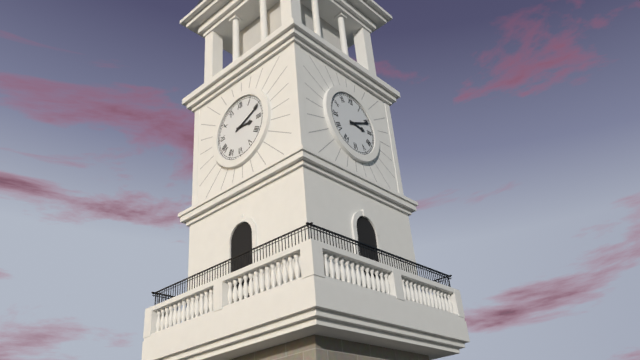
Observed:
{"hour": 3, "minute": 11}
